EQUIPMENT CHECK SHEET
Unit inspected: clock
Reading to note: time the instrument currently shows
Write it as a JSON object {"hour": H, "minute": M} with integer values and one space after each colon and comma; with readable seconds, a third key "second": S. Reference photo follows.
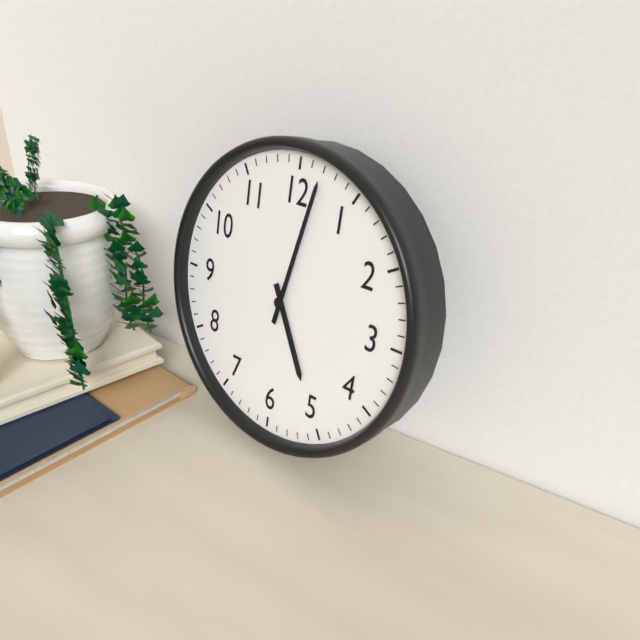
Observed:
{"hour": 5, "minute": 2}
